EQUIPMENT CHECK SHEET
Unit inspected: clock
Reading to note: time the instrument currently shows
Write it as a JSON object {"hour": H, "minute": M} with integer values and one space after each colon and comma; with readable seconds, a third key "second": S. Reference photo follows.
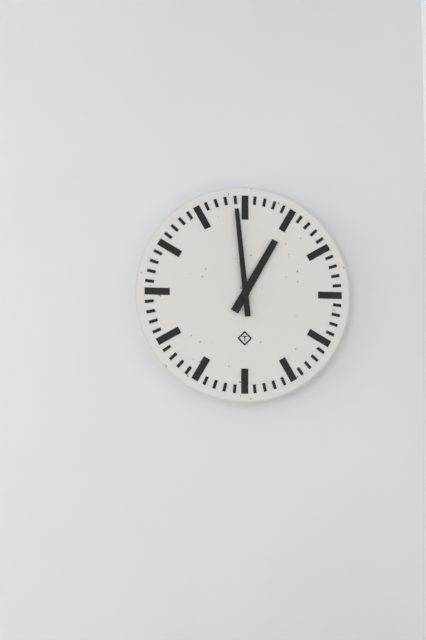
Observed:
{"hour": 12, "minute": 59}
